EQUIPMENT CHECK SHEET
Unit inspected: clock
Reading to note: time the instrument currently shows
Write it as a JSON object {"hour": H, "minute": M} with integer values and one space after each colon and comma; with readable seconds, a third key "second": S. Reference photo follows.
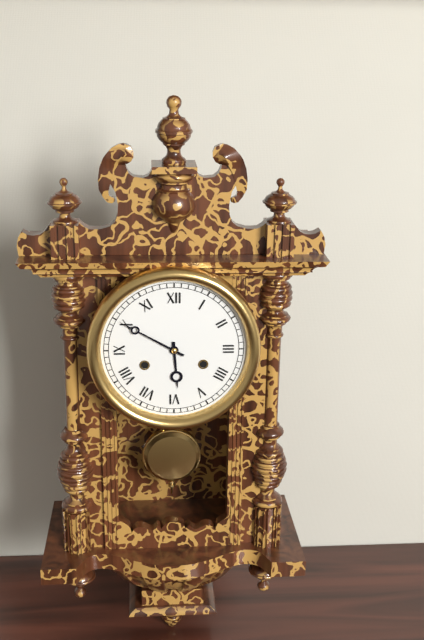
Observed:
{"hour": 5, "minute": 50}
